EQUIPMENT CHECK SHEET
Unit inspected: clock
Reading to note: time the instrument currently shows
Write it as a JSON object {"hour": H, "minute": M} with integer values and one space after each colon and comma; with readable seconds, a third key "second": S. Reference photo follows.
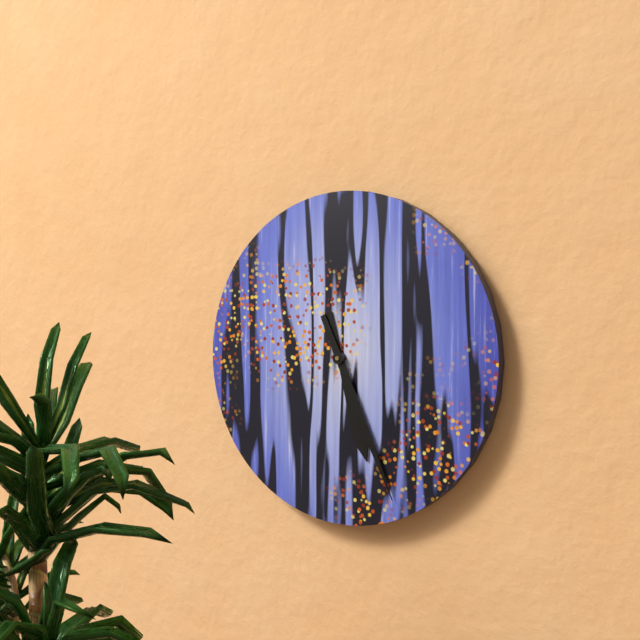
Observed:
{"hour": 5, "minute": 26}
